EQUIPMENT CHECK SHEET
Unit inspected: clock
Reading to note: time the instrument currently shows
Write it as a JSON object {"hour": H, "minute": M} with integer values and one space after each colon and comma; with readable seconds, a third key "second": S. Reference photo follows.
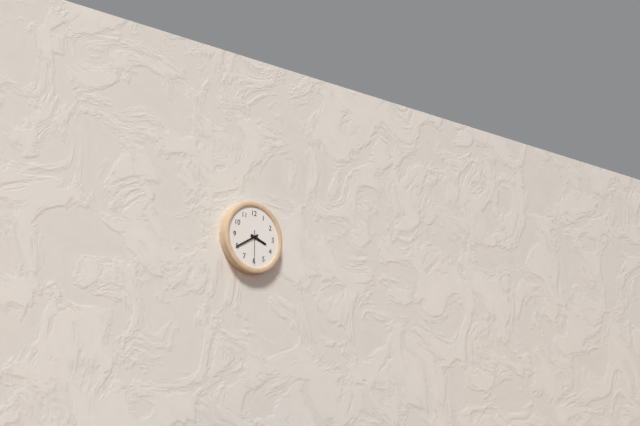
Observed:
{"hour": 3, "minute": 40}
